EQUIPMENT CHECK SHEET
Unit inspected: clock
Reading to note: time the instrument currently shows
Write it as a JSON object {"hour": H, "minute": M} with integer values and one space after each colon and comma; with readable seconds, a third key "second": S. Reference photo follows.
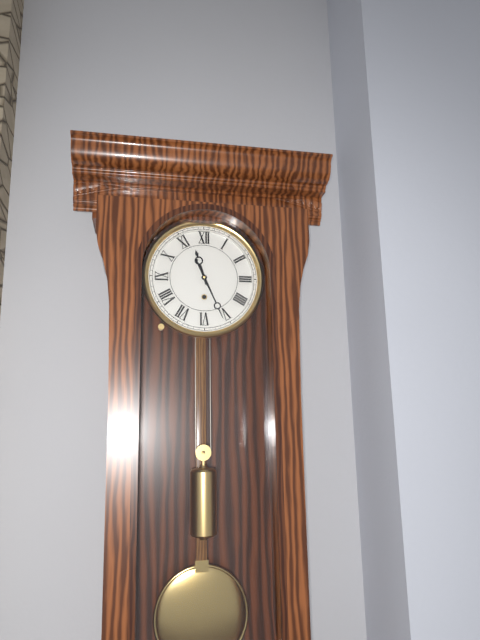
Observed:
{"hour": 11, "minute": 26}
